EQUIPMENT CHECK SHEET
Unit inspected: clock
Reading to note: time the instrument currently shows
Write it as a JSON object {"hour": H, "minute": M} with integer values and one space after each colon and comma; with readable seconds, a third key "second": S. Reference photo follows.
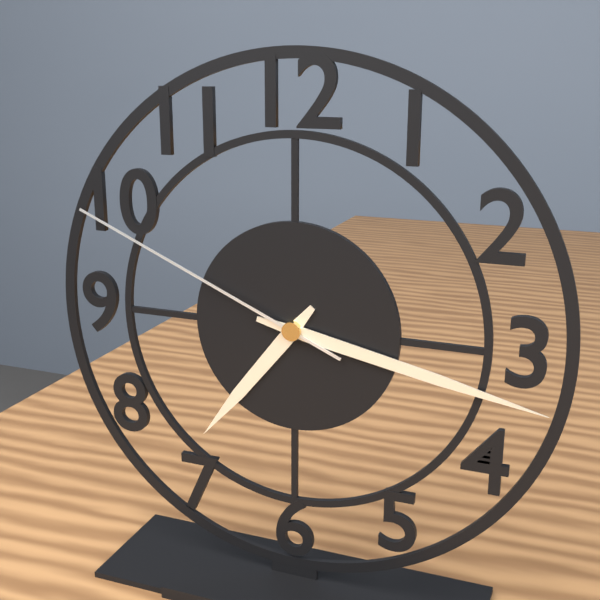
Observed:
{"hour": 7, "minute": 17, "second": 49}
